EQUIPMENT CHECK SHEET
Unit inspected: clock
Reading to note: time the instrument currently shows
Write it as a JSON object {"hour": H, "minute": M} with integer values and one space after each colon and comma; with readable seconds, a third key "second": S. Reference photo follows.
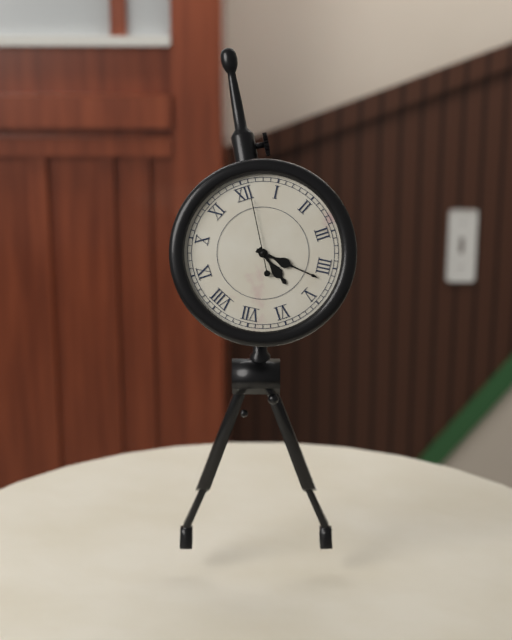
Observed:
{"hour": 5, "minute": 22, "second": 1}
